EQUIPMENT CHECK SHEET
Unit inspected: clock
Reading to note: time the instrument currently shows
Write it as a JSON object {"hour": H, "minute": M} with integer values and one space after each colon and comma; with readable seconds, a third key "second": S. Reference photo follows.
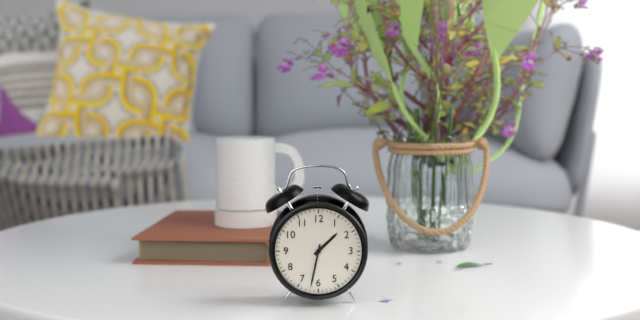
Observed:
{"hour": 1, "minute": 32}
